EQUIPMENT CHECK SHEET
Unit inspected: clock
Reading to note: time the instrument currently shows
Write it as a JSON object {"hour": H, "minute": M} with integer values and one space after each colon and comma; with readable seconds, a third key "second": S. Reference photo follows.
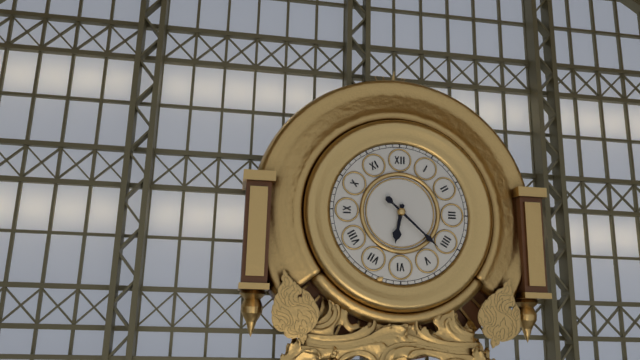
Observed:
{"hour": 6, "minute": 22}
